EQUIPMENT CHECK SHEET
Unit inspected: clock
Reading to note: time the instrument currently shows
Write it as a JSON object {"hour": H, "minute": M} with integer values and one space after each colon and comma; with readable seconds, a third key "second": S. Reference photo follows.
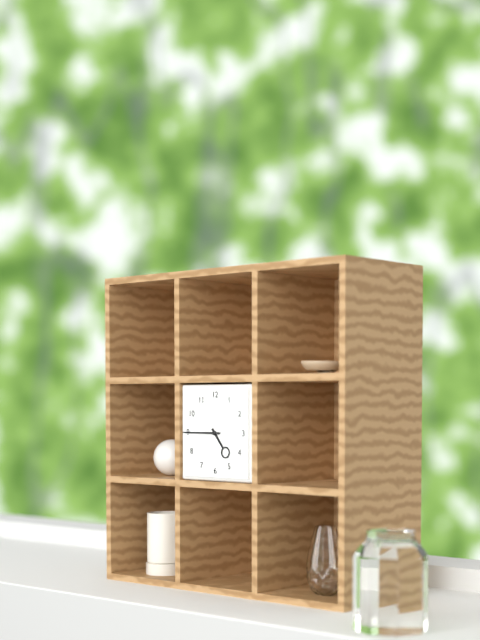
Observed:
{"hour": 4, "minute": 45}
